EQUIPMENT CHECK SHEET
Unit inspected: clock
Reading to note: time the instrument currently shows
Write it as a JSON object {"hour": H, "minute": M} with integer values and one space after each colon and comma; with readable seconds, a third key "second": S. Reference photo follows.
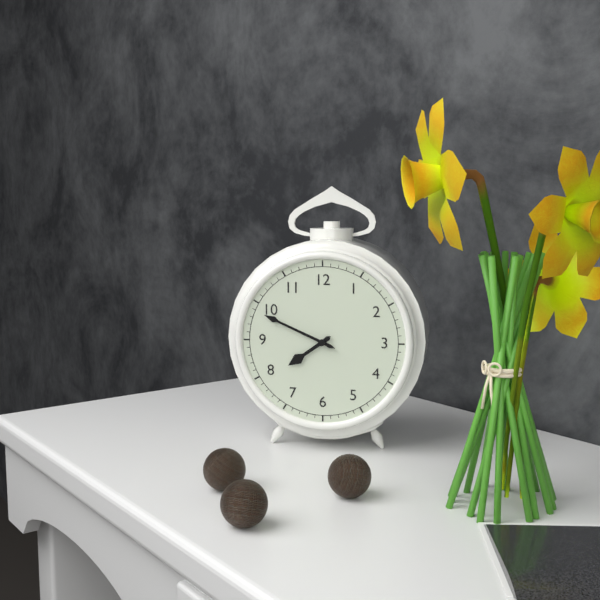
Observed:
{"hour": 7, "minute": 49}
